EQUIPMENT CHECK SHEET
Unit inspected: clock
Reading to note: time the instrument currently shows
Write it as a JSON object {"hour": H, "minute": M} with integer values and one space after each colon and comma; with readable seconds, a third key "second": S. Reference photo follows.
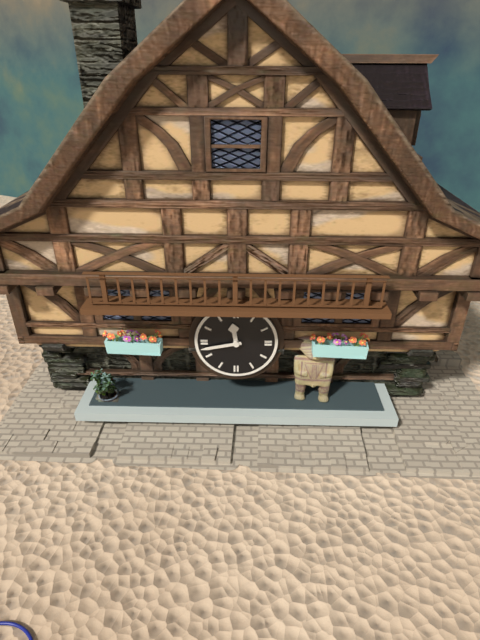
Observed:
{"hour": 11, "minute": 43}
